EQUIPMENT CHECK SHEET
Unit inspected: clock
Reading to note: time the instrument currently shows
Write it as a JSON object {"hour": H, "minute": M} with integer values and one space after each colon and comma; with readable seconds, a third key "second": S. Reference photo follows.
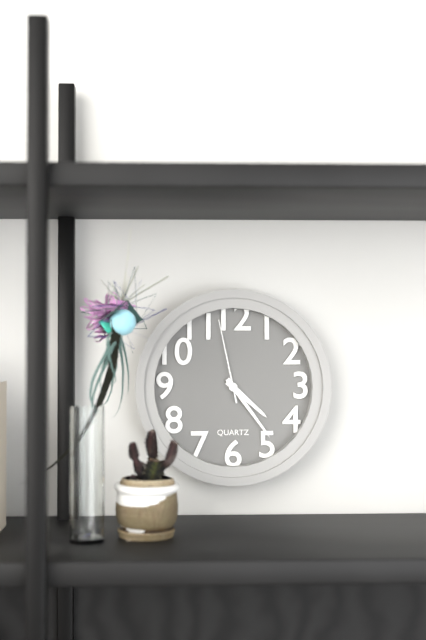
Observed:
{"hour": 4, "minute": 24, "second": 58}
